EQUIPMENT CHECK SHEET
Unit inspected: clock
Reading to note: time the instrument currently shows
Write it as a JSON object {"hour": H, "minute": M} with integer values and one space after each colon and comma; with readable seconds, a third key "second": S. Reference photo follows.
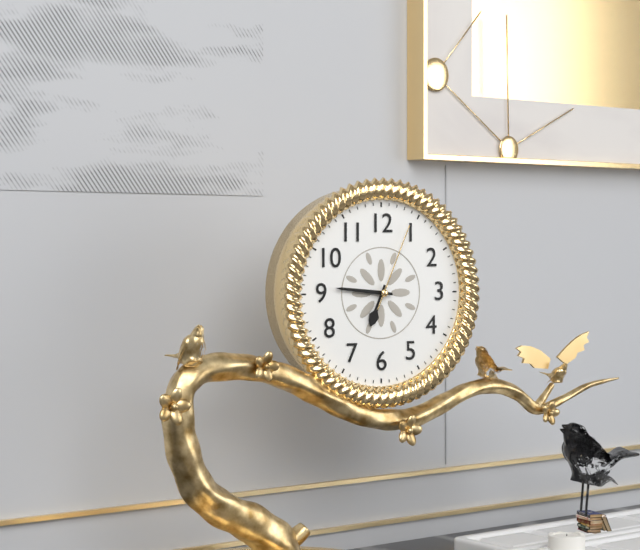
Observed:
{"hour": 6, "minute": 46, "second": 4}
